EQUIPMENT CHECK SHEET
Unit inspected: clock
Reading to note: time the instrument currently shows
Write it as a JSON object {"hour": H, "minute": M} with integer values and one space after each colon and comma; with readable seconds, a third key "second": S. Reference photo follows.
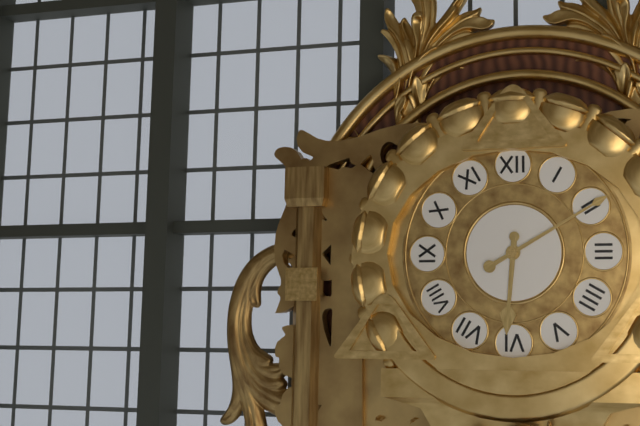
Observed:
{"hour": 6, "minute": 10}
